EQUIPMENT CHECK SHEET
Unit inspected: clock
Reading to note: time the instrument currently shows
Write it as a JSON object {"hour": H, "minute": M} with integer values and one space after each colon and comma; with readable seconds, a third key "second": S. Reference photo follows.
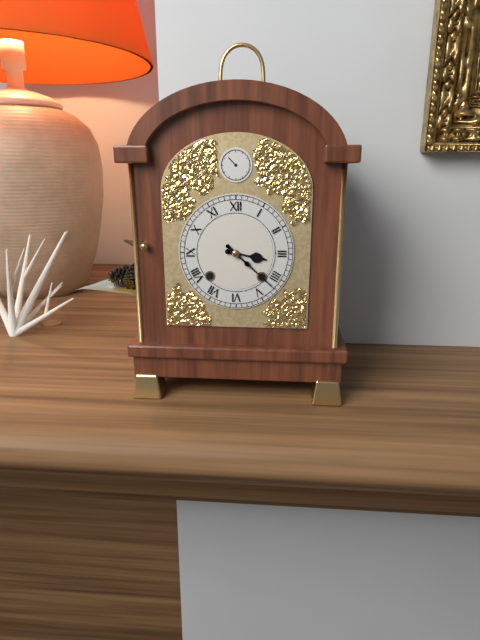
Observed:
{"hour": 3, "minute": 22}
